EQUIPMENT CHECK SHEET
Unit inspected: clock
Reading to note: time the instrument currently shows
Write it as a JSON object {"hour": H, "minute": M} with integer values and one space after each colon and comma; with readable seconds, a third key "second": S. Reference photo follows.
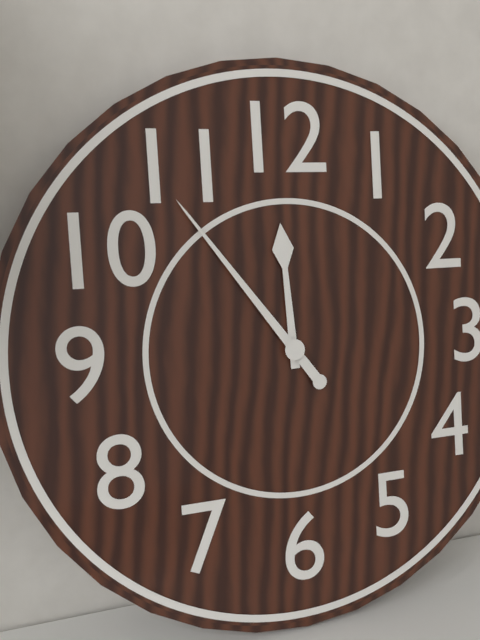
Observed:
{"hour": 11, "minute": 54}
